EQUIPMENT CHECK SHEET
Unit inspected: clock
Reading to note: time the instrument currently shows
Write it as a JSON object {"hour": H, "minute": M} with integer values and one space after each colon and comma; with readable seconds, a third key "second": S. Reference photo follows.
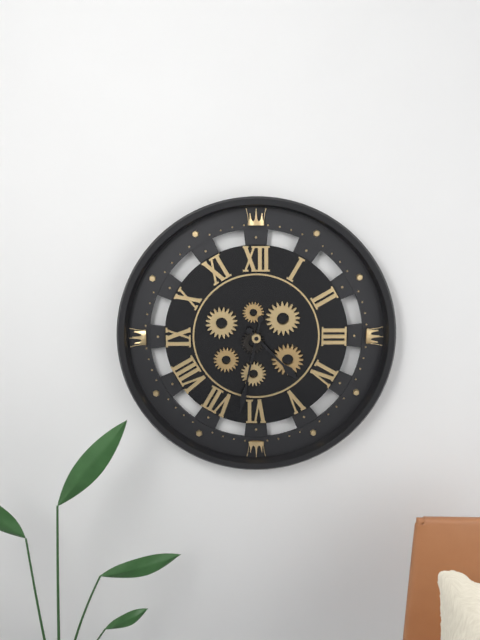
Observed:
{"hour": 4, "minute": 32}
